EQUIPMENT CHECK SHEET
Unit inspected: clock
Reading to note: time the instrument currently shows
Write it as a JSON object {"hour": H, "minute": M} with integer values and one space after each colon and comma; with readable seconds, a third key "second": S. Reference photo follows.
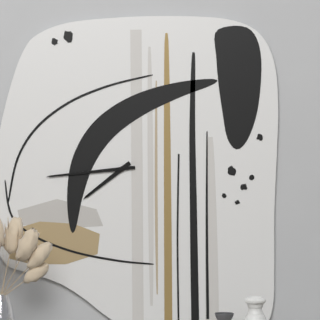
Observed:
{"hour": 7, "minute": 44}
